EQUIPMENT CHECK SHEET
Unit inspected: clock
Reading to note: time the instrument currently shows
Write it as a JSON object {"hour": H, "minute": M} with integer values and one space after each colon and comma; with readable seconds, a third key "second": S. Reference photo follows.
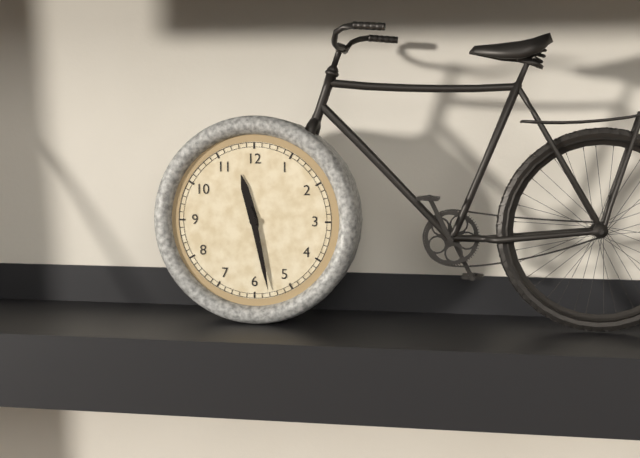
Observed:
{"hour": 11, "minute": 28}
